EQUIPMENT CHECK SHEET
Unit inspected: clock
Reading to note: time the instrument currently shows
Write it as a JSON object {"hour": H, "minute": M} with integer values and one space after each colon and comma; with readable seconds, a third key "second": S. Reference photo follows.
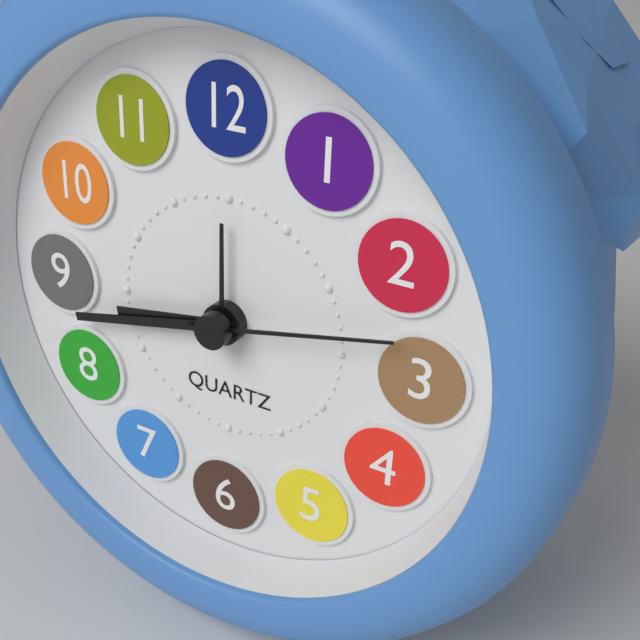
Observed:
{"hour": 8, "minute": 43, "second": 13}
